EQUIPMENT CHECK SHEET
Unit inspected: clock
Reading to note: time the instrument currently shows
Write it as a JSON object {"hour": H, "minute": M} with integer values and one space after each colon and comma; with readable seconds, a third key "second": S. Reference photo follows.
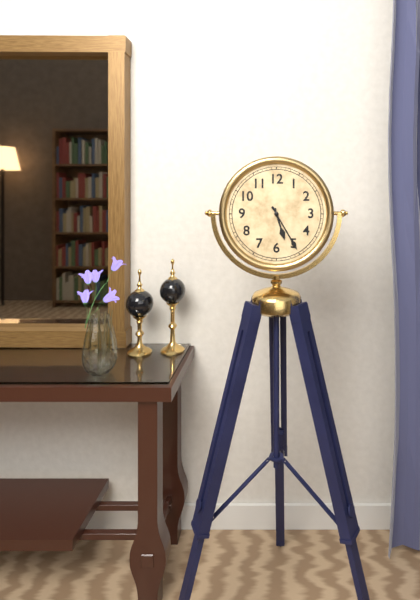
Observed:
{"hour": 5, "minute": 25}
